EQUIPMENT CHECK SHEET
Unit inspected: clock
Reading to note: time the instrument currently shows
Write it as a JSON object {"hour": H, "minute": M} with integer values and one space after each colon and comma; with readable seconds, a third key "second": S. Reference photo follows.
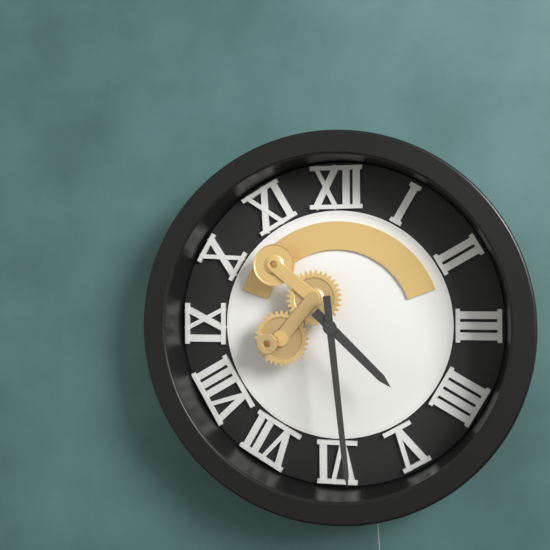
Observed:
{"hour": 4, "minute": 29}
